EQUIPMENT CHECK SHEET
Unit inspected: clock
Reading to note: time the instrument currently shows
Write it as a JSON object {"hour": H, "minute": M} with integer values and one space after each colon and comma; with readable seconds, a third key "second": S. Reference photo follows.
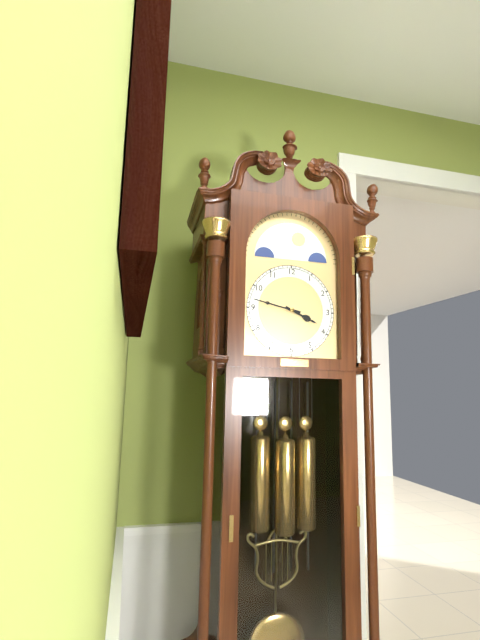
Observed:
{"hour": 3, "minute": 47}
